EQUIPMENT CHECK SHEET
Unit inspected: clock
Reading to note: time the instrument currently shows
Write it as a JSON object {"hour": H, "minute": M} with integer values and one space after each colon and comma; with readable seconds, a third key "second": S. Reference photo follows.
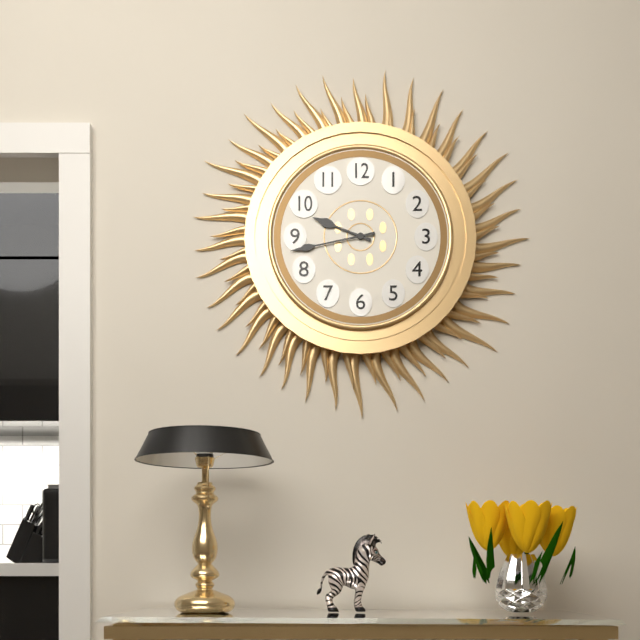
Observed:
{"hour": 9, "minute": 43}
